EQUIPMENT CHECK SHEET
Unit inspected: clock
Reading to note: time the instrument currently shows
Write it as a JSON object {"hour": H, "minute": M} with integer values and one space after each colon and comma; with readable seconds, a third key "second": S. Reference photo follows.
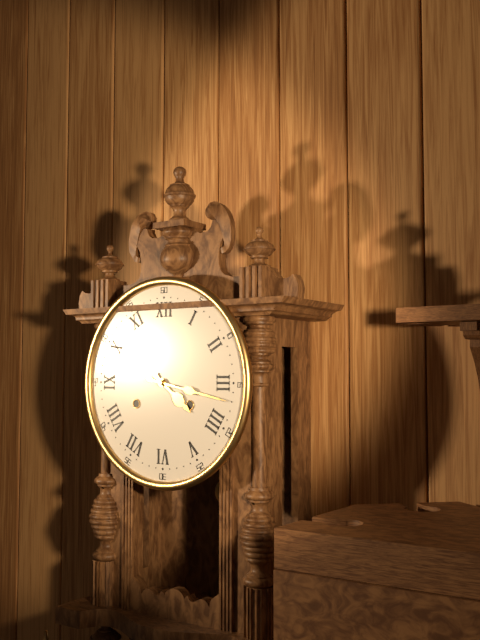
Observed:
{"hour": 4, "minute": 17}
